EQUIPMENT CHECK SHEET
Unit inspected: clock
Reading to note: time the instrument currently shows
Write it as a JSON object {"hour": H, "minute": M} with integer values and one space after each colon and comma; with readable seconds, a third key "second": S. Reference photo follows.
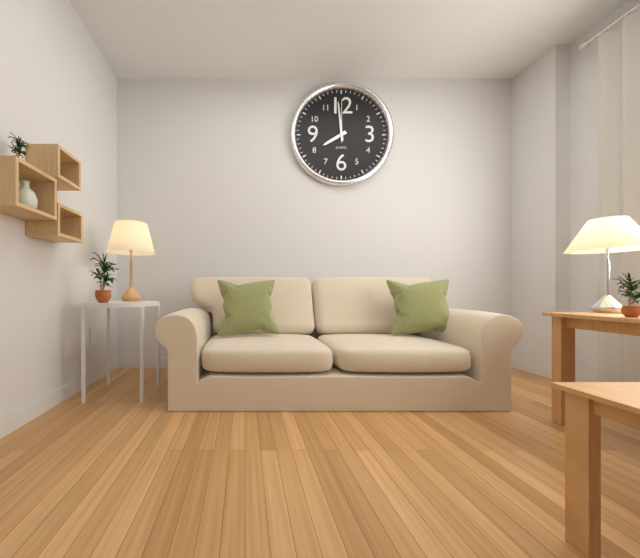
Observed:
{"hour": 7, "minute": 59}
